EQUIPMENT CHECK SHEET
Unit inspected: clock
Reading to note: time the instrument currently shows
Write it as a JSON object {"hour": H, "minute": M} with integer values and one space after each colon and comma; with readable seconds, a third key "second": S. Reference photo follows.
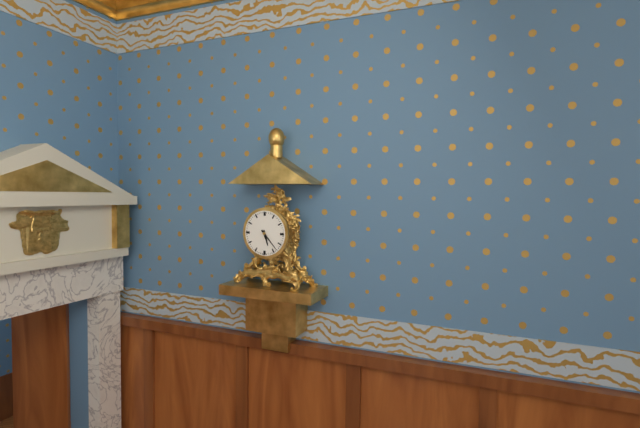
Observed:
{"hour": 5, "minute": 23}
